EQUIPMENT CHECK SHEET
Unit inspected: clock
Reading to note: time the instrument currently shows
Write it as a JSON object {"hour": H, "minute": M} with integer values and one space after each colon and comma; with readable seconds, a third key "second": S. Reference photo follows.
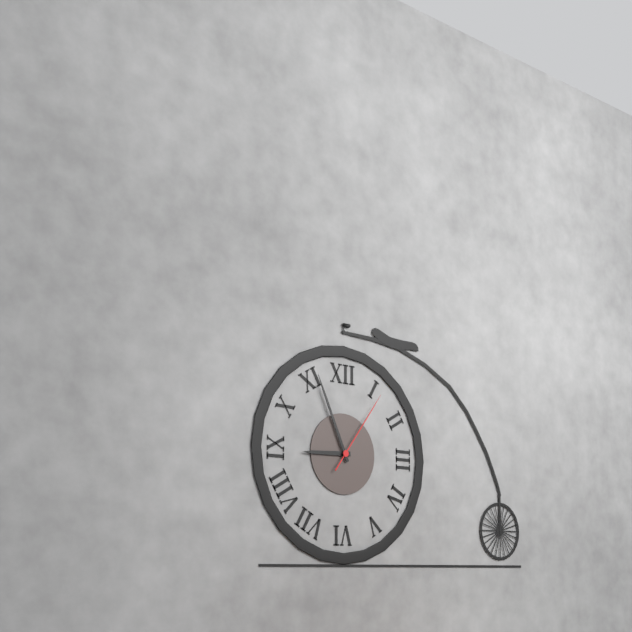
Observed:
{"hour": 8, "minute": 56, "second": 6}
